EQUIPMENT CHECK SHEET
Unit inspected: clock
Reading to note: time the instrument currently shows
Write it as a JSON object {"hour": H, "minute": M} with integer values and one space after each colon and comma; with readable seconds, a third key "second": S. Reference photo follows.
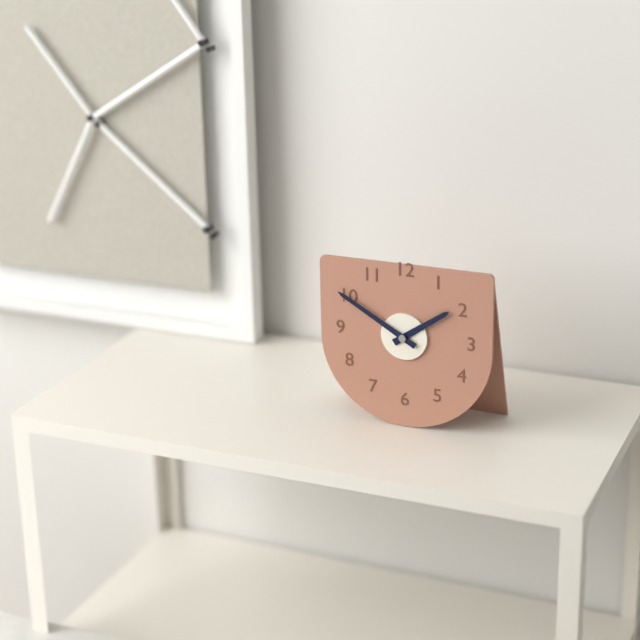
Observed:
{"hour": 1, "minute": 50}
